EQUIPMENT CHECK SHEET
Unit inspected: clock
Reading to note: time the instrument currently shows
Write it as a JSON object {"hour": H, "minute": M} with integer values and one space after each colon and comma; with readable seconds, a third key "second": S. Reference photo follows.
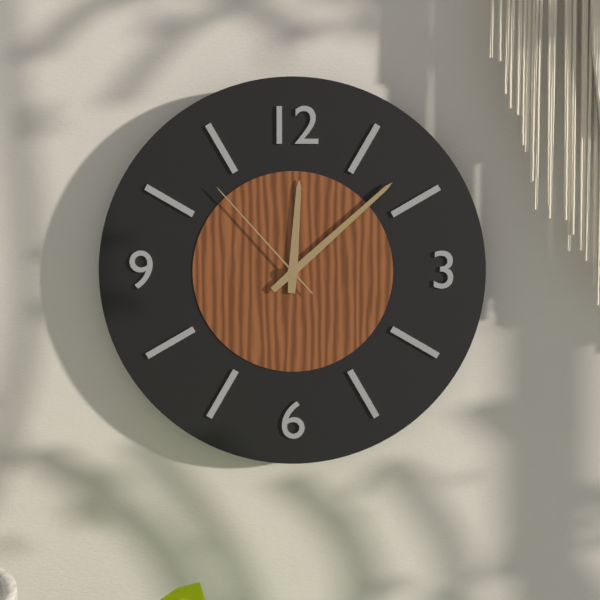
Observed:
{"hour": 12, "minute": 8, "second": 53}
